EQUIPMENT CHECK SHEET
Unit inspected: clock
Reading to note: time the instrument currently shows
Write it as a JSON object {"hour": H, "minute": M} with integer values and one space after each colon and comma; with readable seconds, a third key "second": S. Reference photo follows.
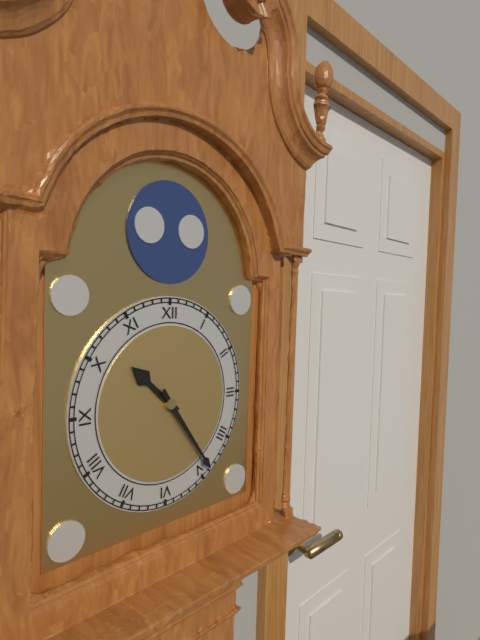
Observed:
{"hour": 10, "minute": 24}
